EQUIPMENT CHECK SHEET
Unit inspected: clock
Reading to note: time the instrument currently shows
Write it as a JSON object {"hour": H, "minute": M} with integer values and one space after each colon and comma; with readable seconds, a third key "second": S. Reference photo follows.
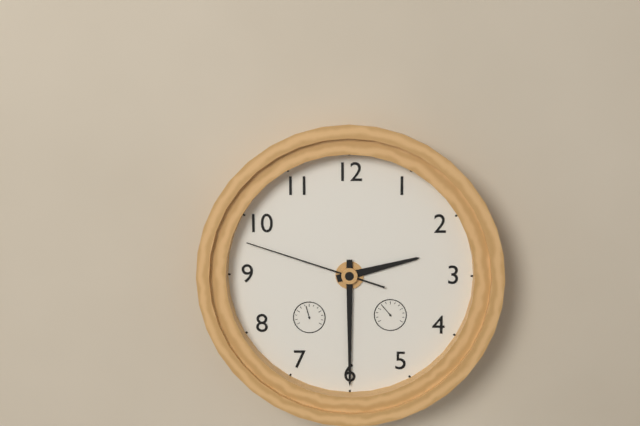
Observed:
{"hour": 2, "minute": 30, "second": 48}
